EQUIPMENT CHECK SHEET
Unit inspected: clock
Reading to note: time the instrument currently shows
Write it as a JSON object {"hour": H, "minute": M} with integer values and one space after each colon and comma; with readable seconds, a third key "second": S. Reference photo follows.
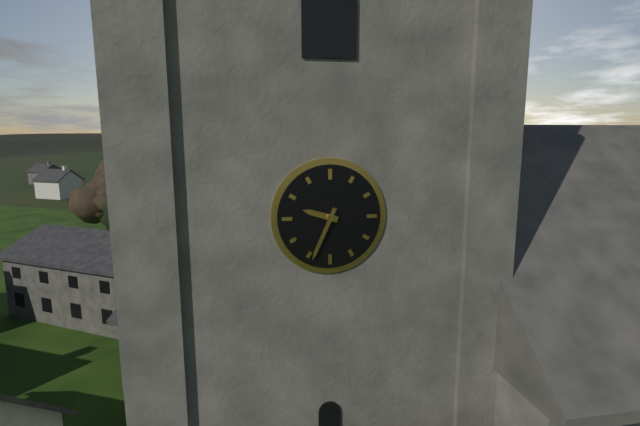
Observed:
{"hour": 9, "minute": 34}
